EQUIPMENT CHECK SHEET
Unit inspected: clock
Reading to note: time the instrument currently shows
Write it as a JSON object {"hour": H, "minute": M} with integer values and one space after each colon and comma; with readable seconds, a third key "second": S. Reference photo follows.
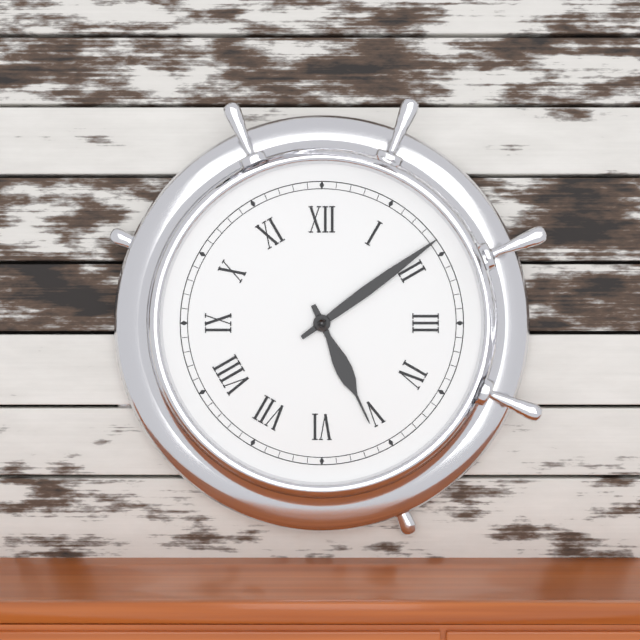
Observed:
{"hour": 5, "minute": 9}
